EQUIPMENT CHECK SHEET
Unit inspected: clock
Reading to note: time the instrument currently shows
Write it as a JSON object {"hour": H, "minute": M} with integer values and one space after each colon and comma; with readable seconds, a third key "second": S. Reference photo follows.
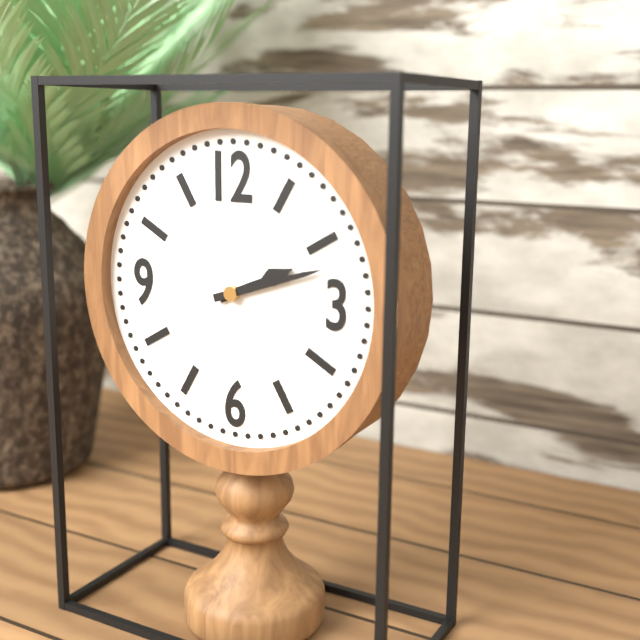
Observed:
{"hour": 2, "minute": 12}
